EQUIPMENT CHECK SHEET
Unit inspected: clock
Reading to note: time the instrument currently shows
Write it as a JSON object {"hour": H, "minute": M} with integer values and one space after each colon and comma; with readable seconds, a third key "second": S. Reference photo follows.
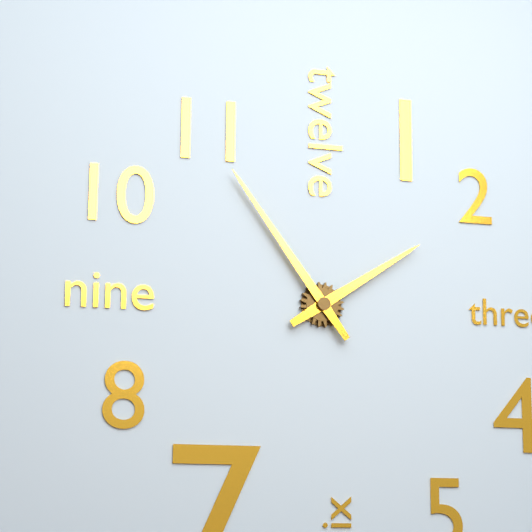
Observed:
{"hour": 1, "minute": 54}
